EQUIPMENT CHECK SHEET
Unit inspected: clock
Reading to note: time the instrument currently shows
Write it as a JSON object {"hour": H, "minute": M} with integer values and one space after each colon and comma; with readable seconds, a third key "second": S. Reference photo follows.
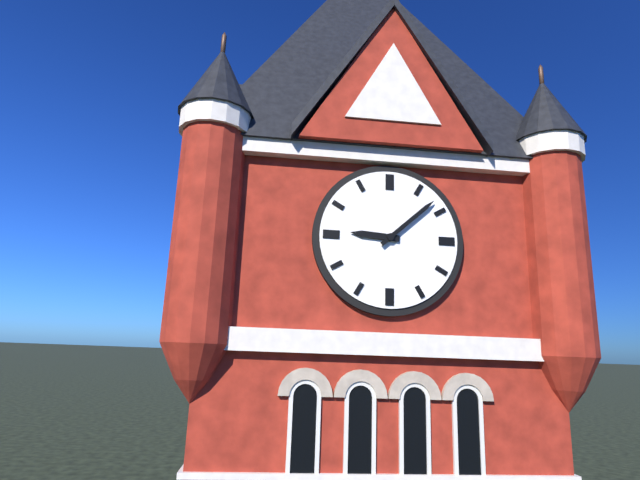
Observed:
{"hour": 9, "minute": 8}
